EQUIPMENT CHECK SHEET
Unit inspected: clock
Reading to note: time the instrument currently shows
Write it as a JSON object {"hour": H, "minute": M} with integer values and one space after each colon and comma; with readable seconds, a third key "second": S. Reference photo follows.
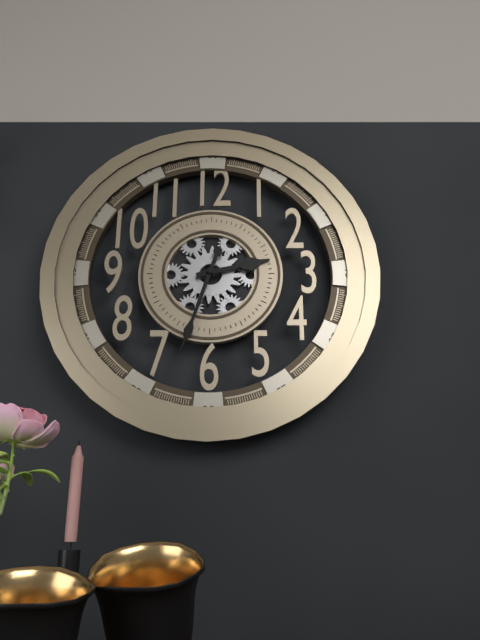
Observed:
{"hour": 2, "minute": 33}
